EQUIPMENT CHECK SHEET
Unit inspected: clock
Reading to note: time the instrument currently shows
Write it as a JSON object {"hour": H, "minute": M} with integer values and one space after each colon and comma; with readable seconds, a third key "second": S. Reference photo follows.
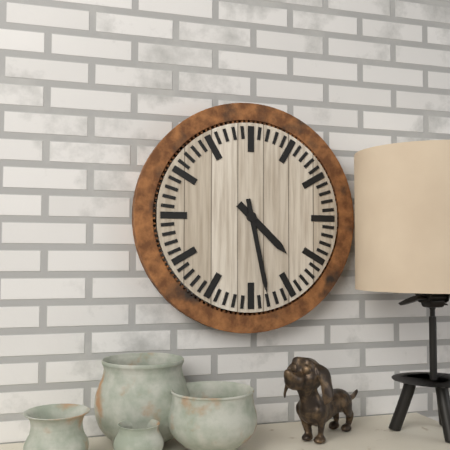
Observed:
{"hour": 4, "minute": 28}
